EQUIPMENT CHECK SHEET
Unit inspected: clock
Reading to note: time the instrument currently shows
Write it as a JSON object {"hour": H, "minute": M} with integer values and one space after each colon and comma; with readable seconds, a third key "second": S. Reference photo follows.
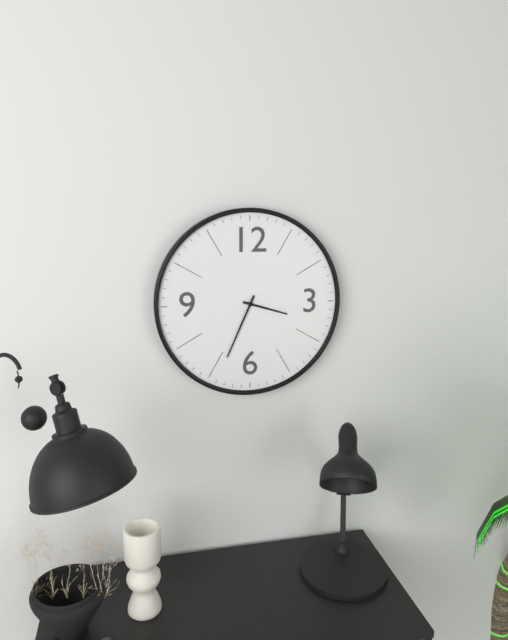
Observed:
{"hour": 3, "minute": 34}
